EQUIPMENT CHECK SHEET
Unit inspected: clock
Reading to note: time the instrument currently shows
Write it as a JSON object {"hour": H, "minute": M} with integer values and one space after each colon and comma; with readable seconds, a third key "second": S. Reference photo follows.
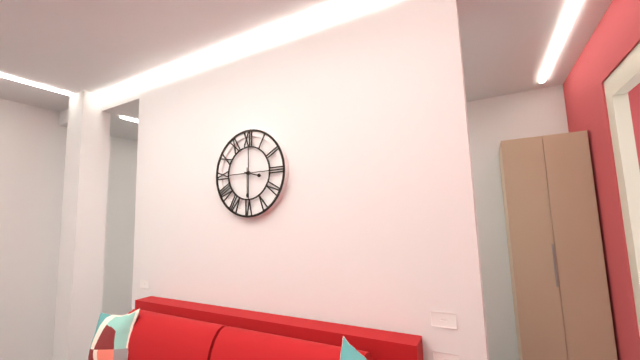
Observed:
{"hour": 3, "minute": 30}
